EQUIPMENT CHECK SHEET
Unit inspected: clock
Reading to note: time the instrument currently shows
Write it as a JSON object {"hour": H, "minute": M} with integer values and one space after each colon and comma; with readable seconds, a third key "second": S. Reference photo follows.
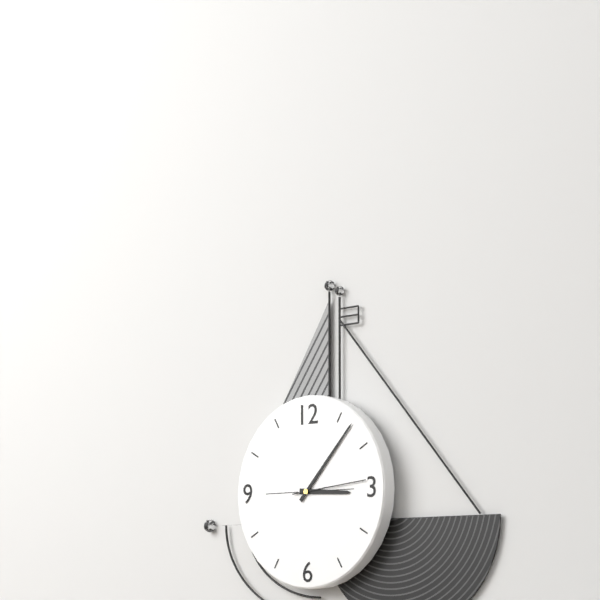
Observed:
{"hour": 3, "minute": 7, "second": 14}
